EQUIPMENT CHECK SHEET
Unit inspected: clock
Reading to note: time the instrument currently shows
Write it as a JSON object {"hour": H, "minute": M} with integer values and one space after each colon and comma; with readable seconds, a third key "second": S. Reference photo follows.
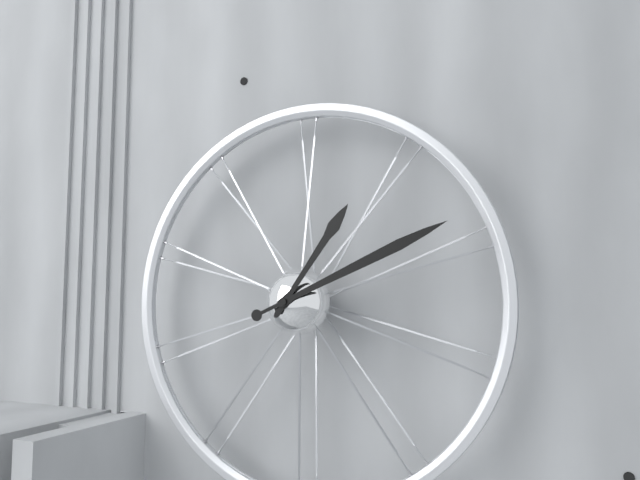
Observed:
{"hour": 1, "minute": 11}
